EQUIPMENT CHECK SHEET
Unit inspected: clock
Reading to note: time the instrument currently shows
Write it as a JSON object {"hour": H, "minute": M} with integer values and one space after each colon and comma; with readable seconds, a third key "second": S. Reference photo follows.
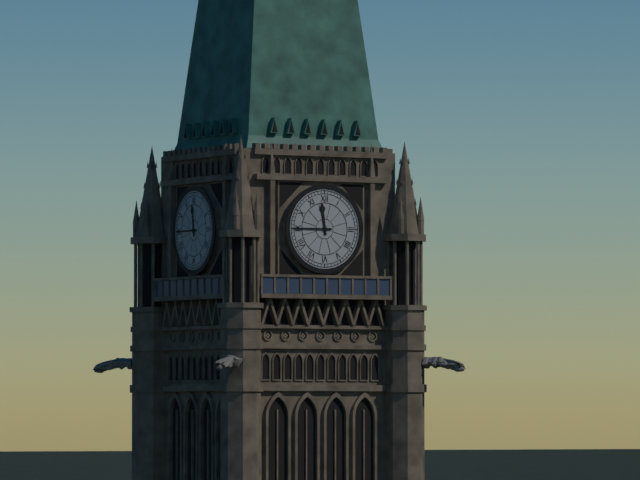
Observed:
{"hour": 11, "minute": 45}
